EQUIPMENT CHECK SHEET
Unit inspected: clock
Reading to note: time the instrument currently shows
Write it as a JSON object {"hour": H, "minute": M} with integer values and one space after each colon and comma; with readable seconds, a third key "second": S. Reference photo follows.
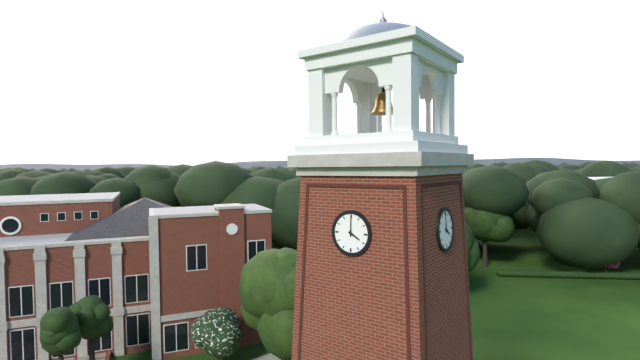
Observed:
{"hour": 4, "minute": 0}
